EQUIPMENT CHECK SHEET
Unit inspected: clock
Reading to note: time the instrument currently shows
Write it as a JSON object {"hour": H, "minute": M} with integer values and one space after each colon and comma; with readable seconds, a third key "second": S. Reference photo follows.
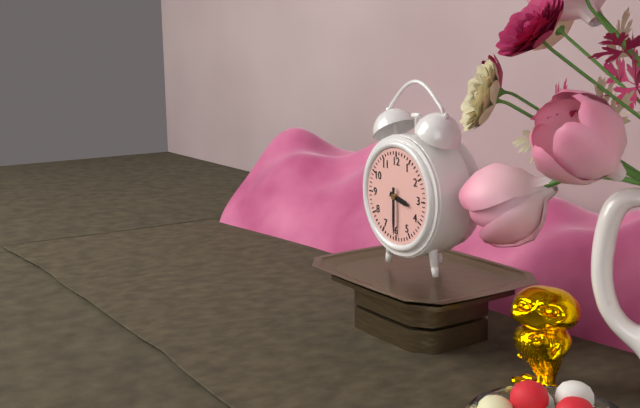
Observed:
{"hour": 3, "minute": 30}
